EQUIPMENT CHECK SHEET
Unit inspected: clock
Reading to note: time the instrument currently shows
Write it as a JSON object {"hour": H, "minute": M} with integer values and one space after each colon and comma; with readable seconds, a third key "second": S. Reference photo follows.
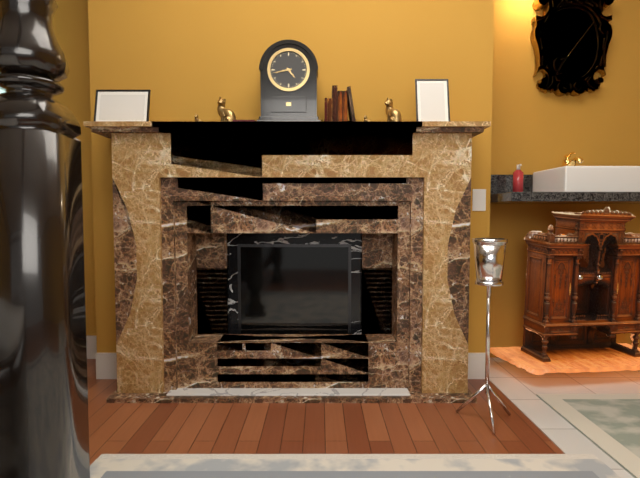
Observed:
{"hour": 4, "minute": 43}
